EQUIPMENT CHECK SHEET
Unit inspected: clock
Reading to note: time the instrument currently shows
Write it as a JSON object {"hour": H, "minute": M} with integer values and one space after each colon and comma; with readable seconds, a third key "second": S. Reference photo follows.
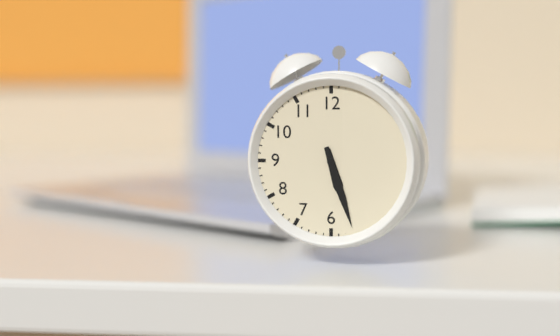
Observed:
{"hour": 5, "minute": 27}
